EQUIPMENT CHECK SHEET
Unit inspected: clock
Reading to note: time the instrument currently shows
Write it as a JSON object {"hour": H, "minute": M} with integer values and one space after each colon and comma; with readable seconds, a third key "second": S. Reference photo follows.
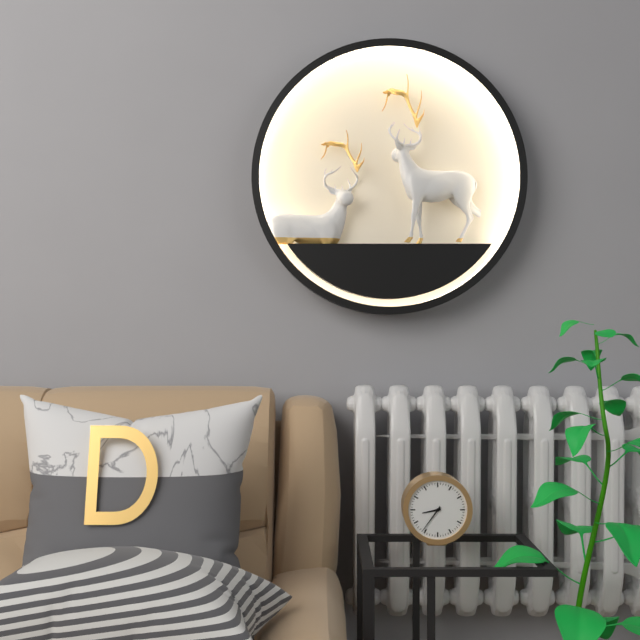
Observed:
{"hour": 8, "minute": 36}
